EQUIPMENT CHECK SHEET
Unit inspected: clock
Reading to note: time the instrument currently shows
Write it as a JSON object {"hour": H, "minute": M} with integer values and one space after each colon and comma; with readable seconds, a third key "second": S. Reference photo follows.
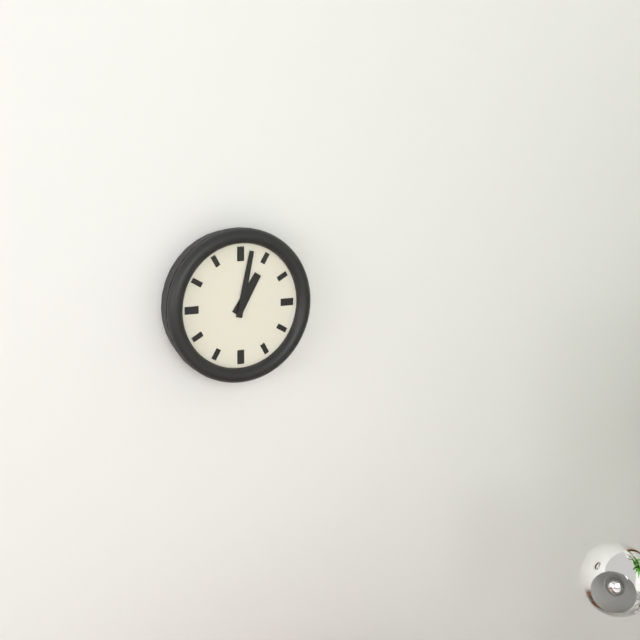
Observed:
{"hour": 1, "minute": 2}
